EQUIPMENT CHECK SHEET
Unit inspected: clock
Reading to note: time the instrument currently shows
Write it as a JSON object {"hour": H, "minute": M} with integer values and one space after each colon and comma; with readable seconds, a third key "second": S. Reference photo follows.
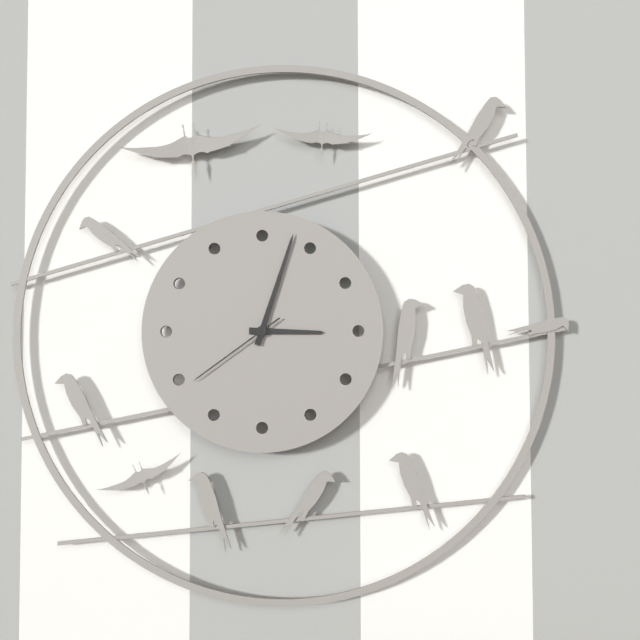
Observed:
{"hour": 3, "minute": 3, "second": 39}
